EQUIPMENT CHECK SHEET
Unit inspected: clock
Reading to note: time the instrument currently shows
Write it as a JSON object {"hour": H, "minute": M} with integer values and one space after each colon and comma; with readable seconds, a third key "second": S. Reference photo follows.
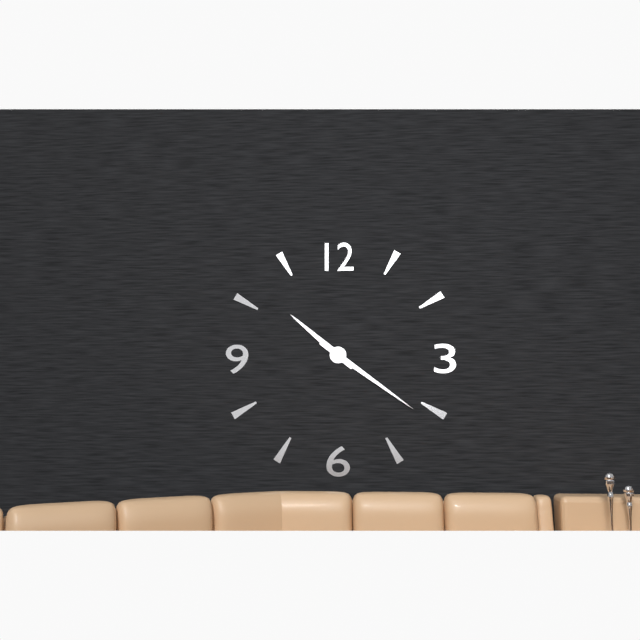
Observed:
{"hour": 10, "minute": 21}
